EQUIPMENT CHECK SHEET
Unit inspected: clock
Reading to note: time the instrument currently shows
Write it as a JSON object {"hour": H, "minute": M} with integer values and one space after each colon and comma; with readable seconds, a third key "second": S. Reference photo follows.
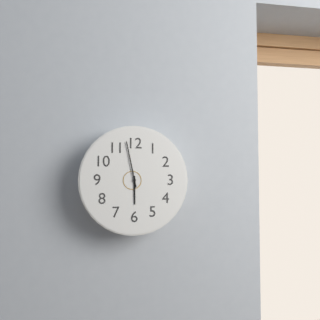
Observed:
{"hour": 5, "minute": 58}
